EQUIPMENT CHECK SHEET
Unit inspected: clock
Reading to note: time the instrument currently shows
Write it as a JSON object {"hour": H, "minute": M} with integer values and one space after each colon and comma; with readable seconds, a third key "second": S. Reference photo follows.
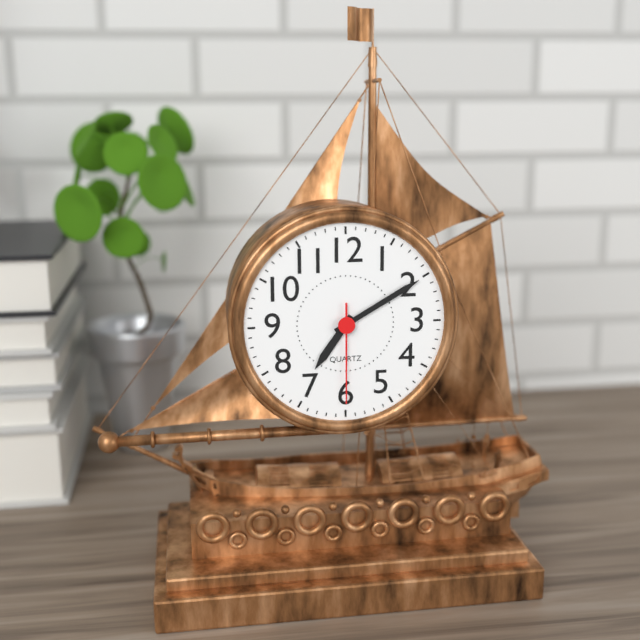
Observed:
{"hour": 7, "minute": 10, "second": 30}
